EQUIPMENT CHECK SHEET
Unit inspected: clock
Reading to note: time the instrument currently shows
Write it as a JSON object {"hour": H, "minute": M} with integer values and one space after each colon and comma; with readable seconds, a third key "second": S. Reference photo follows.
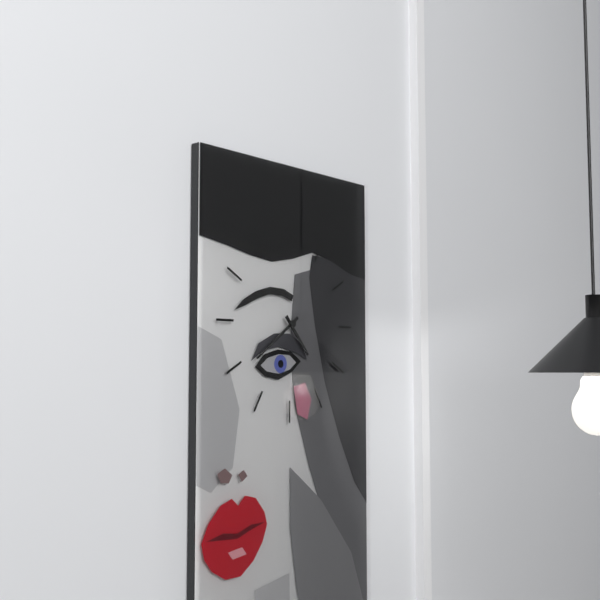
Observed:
{"hour": 4, "minute": 39}
